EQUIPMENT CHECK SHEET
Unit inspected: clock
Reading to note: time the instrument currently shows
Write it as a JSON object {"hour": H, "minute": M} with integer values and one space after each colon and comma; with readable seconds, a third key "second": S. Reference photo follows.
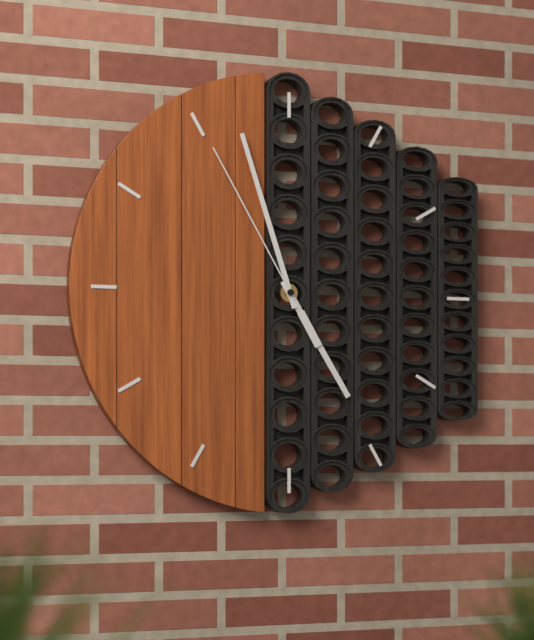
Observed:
{"hour": 4, "minute": 57, "second": 55}
